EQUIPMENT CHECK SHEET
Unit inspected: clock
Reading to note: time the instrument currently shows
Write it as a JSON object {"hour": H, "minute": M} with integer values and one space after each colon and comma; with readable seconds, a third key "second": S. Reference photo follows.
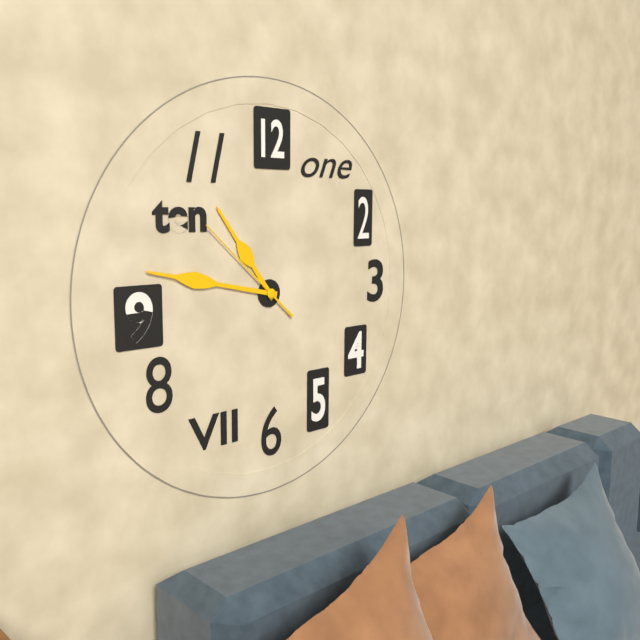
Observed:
{"hour": 10, "minute": 47, "second": 52}
